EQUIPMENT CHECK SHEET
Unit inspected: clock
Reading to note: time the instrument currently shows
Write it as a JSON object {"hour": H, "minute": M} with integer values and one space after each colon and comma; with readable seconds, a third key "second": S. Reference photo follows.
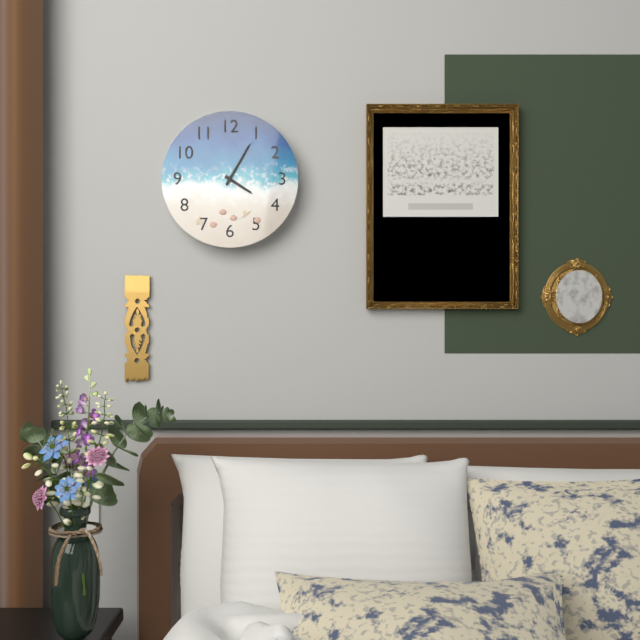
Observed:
{"hour": 4, "minute": 5}
